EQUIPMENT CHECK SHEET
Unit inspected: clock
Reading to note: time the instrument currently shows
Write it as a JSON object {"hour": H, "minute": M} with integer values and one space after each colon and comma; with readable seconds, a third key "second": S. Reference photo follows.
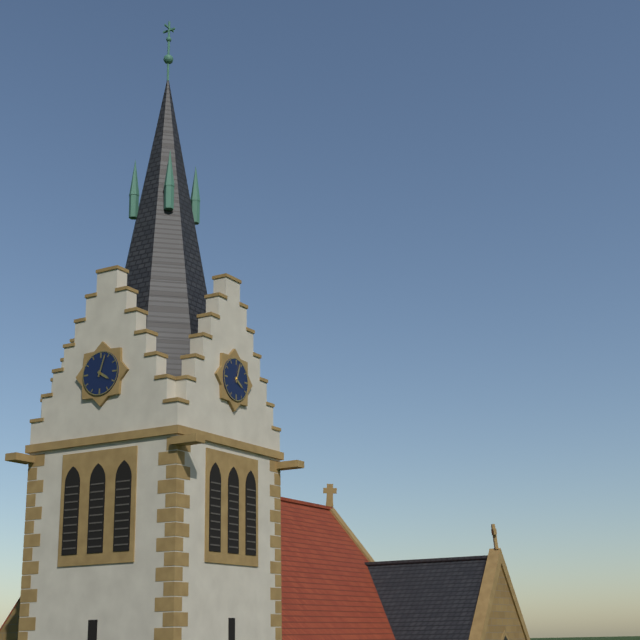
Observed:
{"hour": 4, "minute": 3}
